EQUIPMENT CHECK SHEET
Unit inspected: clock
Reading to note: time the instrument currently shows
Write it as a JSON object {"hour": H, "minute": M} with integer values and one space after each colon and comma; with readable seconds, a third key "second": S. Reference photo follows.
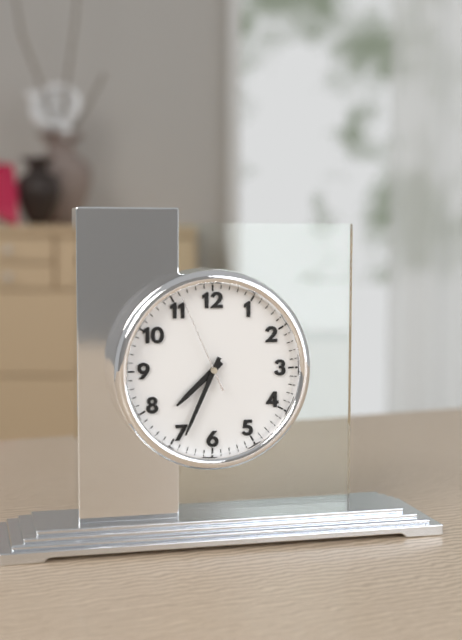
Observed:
{"hour": 7, "minute": 34, "second": 56}
